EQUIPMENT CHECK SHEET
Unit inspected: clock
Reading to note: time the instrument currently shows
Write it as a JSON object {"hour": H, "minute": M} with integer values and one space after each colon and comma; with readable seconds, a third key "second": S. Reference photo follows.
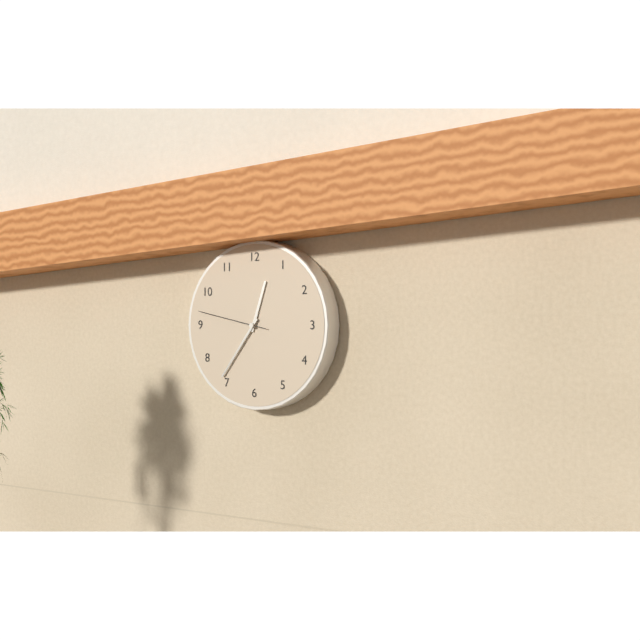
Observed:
{"hour": 12, "minute": 36, "second": 47}
